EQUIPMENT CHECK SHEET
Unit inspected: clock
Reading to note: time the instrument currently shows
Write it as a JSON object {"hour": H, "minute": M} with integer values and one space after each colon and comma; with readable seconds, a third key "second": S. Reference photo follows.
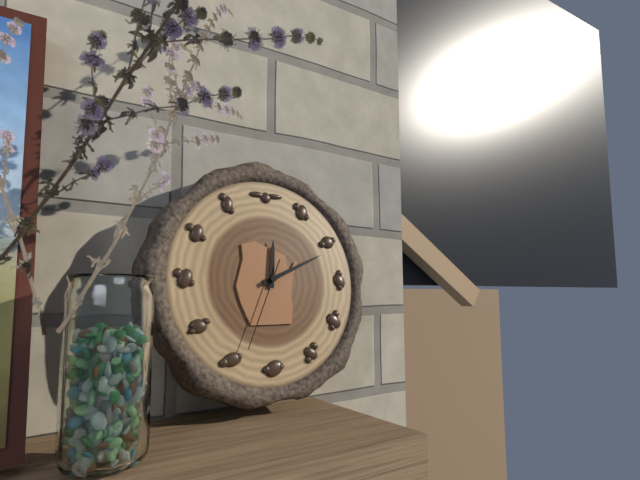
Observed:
{"hour": 12, "minute": 11, "second": 34}
